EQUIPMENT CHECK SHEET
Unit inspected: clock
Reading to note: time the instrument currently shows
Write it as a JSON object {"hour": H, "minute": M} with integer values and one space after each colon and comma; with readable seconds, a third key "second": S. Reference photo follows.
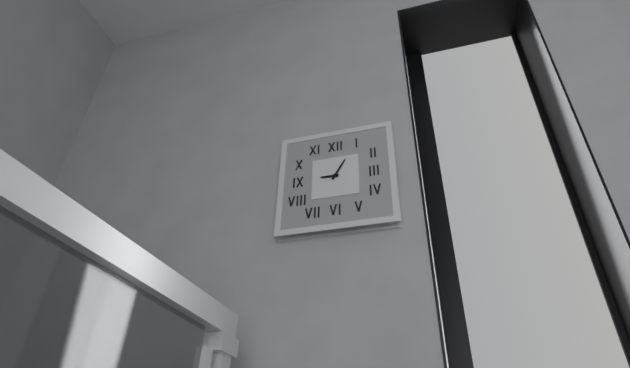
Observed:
{"hour": 9, "minute": 5}
